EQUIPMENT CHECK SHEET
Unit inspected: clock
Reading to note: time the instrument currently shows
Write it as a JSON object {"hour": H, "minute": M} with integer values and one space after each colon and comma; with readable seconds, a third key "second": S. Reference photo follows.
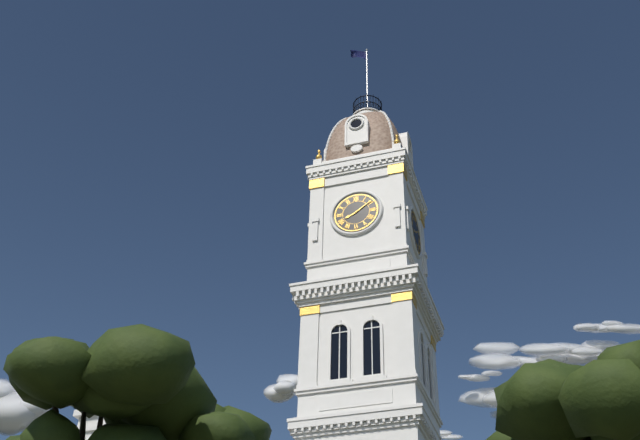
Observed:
{"hour": 8, "minute": 9}
